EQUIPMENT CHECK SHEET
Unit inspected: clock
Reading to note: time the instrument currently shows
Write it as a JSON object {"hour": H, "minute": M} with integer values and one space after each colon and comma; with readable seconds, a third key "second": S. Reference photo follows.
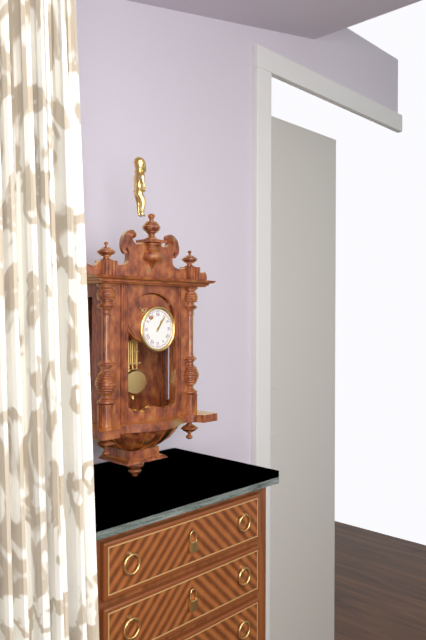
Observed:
{"hour": 1, "minute": 6}
